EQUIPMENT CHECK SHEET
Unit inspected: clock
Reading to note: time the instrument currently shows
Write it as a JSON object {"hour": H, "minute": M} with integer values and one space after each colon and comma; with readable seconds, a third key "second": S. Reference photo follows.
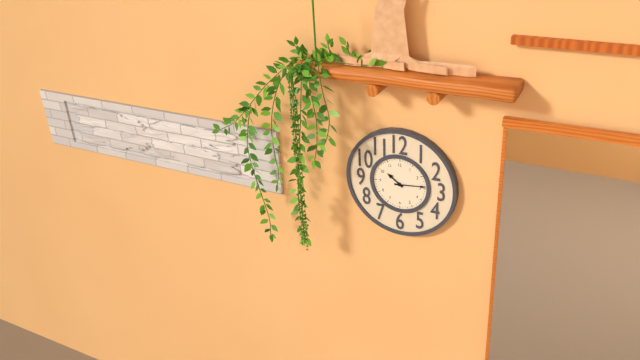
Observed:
{"hour": 10, "minute": 14}
